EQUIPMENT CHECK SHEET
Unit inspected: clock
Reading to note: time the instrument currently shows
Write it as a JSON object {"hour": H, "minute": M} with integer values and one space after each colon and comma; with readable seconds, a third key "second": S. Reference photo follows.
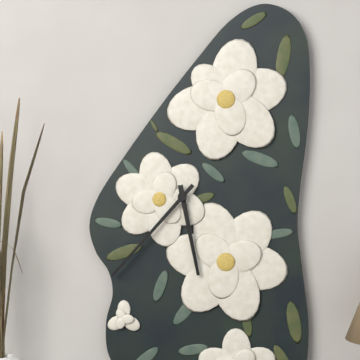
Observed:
{"hour": 5, "minute": 37}
